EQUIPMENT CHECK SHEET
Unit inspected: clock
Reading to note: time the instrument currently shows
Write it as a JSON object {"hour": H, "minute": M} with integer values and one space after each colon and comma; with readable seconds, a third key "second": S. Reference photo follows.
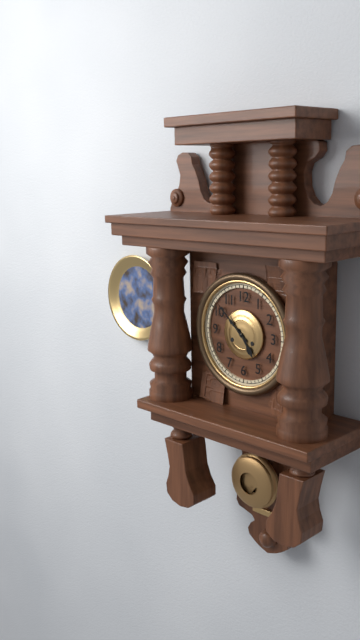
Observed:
{"hour": 4, "minute": 52}
